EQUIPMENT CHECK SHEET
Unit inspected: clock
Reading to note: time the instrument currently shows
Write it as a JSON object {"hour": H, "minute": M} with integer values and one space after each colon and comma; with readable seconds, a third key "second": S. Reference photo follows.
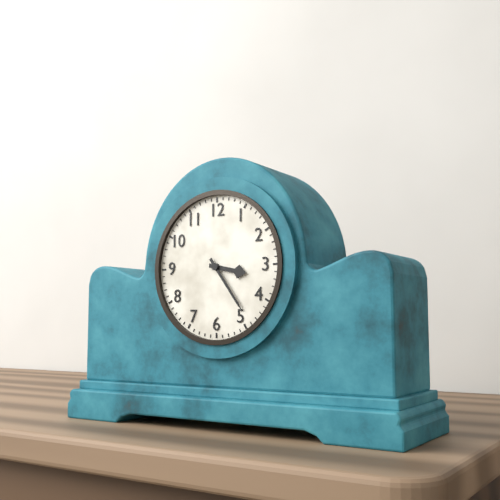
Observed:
{"hour": 3, "minute": 24}
